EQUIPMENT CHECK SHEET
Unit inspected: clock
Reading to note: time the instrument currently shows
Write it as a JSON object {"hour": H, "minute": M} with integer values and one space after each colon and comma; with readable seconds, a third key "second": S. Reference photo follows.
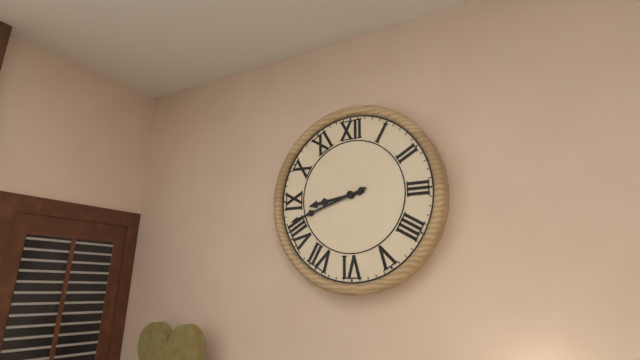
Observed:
{"hour": 8, "minute": 42}
